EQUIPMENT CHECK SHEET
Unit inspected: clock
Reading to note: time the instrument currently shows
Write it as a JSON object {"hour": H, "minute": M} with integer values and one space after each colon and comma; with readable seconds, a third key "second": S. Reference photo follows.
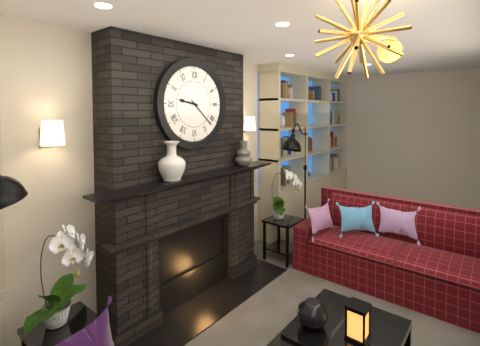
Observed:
{"hour": 9, "minute": 22}
